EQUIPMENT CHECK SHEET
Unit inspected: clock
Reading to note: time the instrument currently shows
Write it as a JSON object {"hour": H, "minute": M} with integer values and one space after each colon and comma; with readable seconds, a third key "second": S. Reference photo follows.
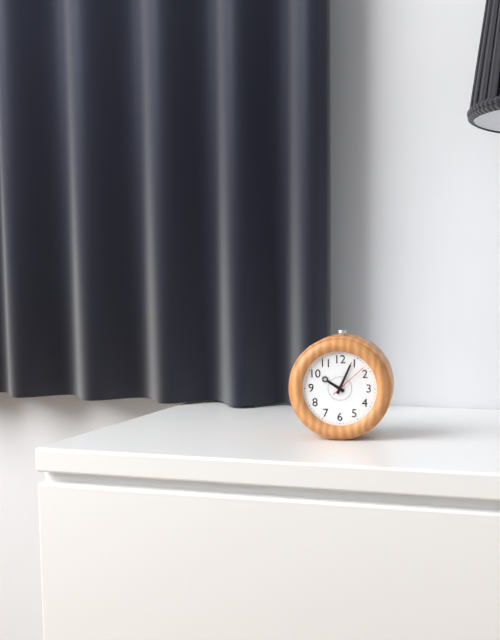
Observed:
{"hour": 10, "minute": 4}
